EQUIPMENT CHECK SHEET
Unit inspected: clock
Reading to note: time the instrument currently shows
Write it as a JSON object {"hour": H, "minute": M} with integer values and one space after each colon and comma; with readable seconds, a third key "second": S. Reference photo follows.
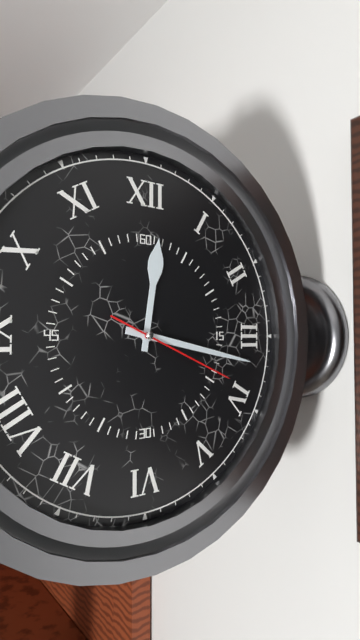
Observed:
{"hour": 12, "minute": 17, "second": 19}
